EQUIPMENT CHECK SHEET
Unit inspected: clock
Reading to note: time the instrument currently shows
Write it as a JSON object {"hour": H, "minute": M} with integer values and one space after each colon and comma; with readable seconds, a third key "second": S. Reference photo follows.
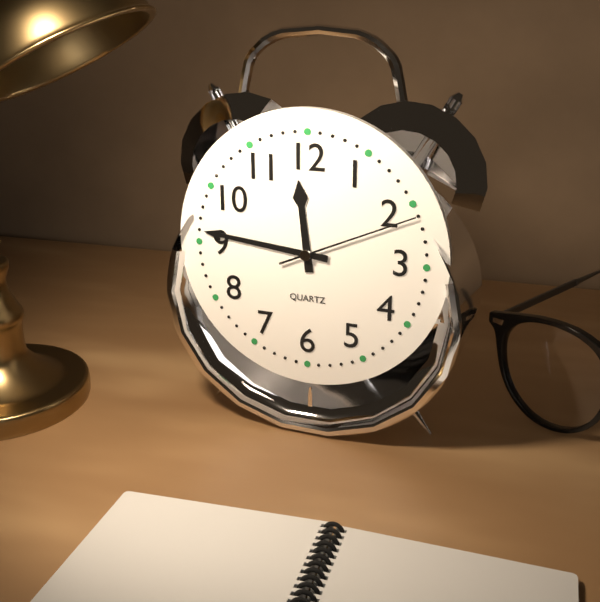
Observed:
{"hour": 11, "minute": 46, "second": 11}
